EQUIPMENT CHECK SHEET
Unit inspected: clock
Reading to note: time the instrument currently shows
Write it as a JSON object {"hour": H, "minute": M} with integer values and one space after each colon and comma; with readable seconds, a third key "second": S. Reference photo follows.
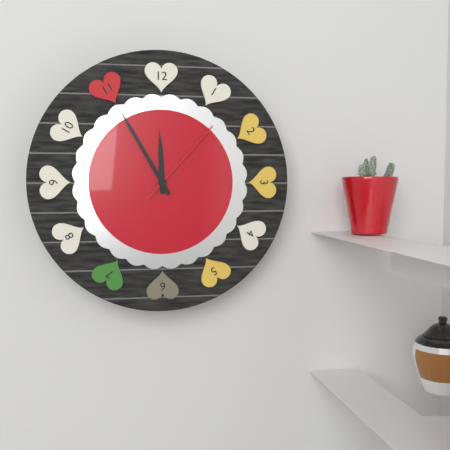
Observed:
{"hour": 11, "minute": 55, "second": 7}
